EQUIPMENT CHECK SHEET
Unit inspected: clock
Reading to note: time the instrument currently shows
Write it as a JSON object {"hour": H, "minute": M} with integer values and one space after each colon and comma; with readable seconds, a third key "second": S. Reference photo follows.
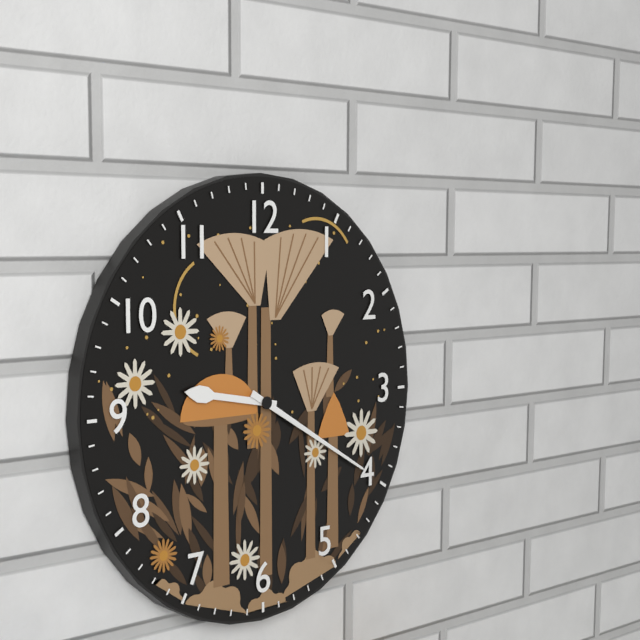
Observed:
{"hour": 9, "minute": 20}
